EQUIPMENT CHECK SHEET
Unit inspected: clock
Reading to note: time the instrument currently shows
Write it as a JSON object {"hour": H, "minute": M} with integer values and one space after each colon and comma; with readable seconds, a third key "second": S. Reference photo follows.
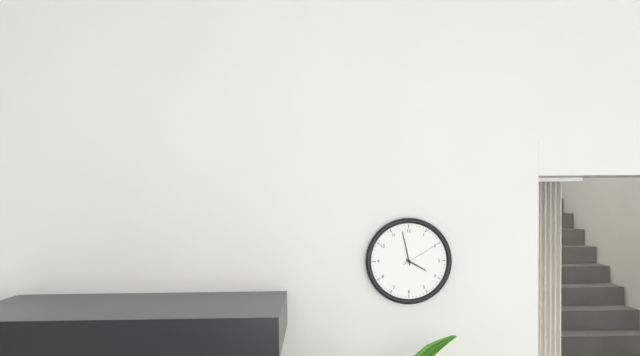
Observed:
{"hour": 3, "minute": 58}
